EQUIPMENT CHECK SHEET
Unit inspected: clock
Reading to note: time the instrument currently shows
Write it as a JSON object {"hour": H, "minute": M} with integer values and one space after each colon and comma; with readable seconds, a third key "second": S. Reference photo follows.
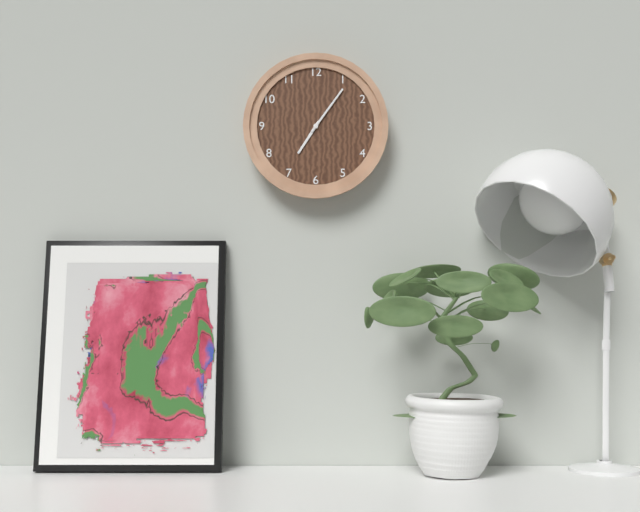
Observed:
{"hour": 7, "minute": 6}
